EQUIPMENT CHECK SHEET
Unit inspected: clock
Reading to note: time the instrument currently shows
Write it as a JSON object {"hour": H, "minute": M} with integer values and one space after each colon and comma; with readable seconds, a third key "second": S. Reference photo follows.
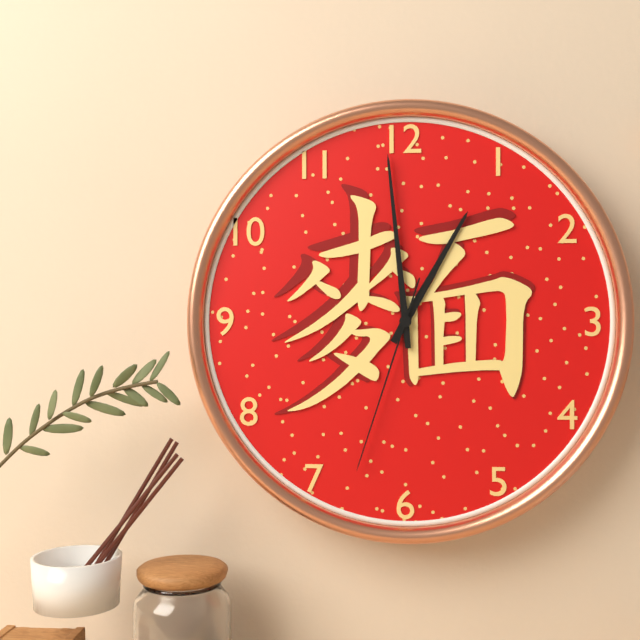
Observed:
{"hour": 12, "minute": 59, "second": 33}
